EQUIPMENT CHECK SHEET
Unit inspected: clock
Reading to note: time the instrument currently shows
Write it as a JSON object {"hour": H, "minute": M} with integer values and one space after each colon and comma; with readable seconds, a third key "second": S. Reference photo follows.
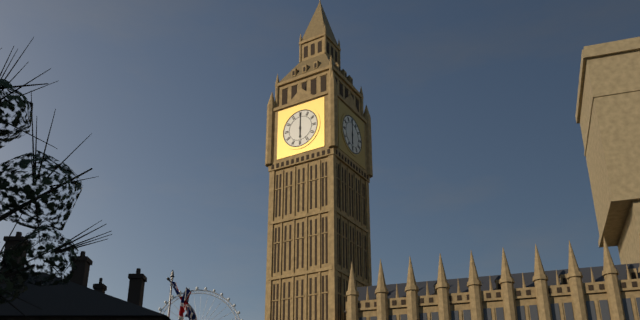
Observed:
{"hour": 6, "minute": 0}
